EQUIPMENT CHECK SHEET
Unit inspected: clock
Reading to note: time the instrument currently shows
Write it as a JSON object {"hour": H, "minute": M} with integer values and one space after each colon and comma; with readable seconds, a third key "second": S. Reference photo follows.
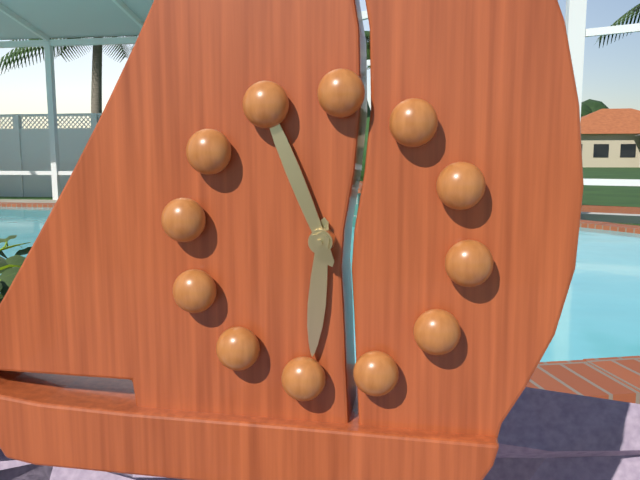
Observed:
{"hour": 5, "minute": 55}
